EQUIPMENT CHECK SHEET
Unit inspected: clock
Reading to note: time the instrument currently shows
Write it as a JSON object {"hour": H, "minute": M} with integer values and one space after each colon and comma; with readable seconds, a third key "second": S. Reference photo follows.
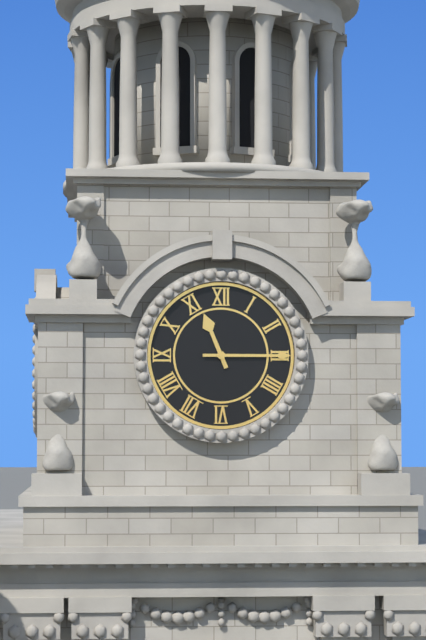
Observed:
{"hour": 11, "minute": 15}
